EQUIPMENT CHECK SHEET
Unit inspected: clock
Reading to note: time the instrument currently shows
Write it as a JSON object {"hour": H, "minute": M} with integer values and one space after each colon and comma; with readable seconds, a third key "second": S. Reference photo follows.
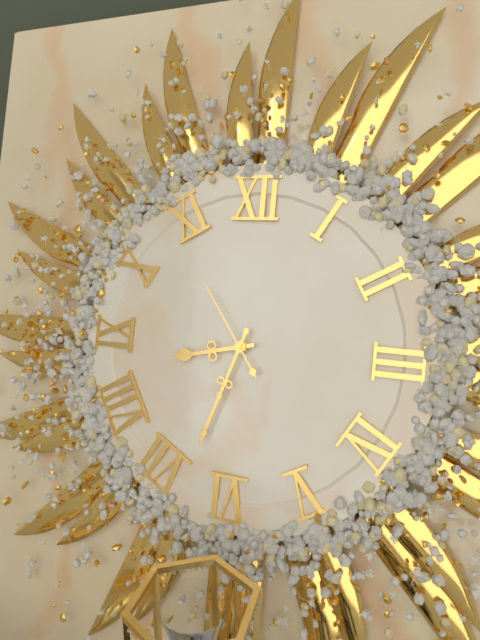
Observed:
{"hour": 8, "minute": 33, "second": 54}
